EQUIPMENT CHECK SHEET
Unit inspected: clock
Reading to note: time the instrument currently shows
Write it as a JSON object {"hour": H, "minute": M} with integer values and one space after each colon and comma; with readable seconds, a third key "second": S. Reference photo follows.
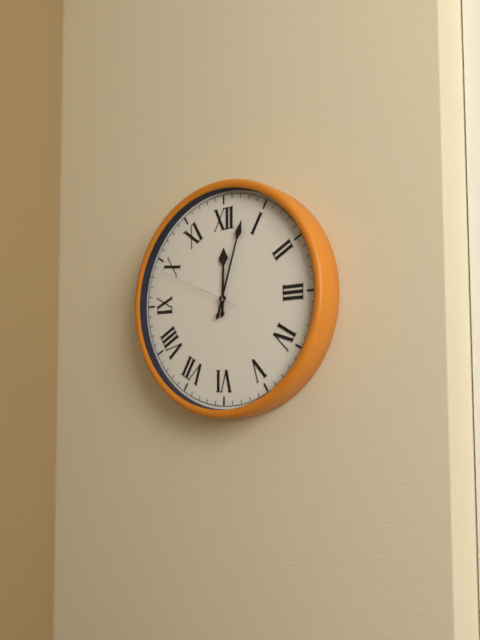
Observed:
{"hour": 12, "minute": 3, "second": 49}
